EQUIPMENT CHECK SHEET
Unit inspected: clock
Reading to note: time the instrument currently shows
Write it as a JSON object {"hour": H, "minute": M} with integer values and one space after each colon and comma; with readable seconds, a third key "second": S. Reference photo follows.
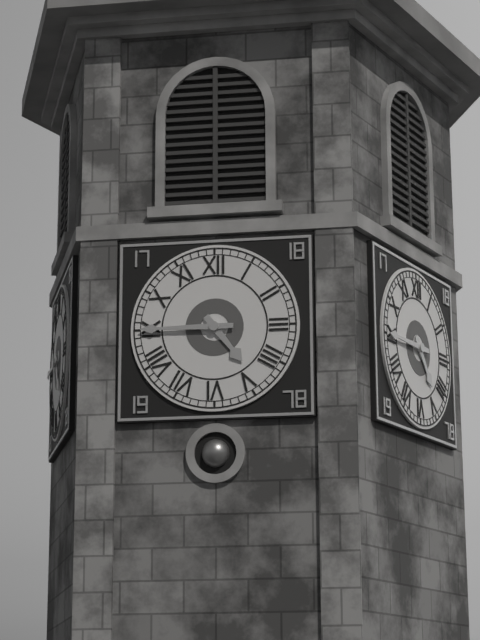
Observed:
{"hour": 4, "minute": 45}
